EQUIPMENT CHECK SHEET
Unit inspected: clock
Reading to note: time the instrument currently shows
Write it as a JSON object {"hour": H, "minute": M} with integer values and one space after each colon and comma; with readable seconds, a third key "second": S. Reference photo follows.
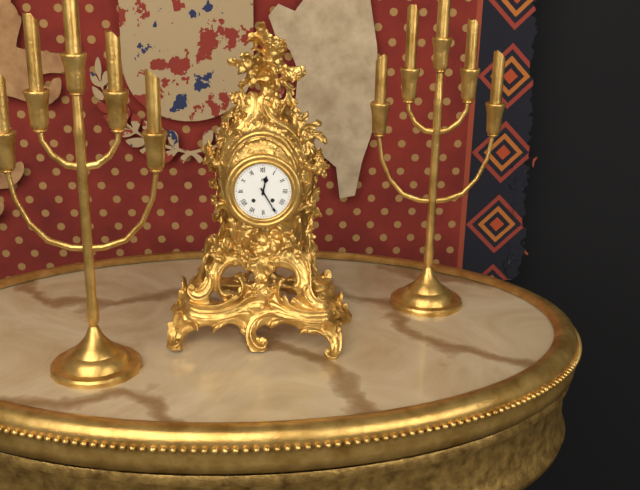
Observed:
{"hour": 12, "minute": 25}
